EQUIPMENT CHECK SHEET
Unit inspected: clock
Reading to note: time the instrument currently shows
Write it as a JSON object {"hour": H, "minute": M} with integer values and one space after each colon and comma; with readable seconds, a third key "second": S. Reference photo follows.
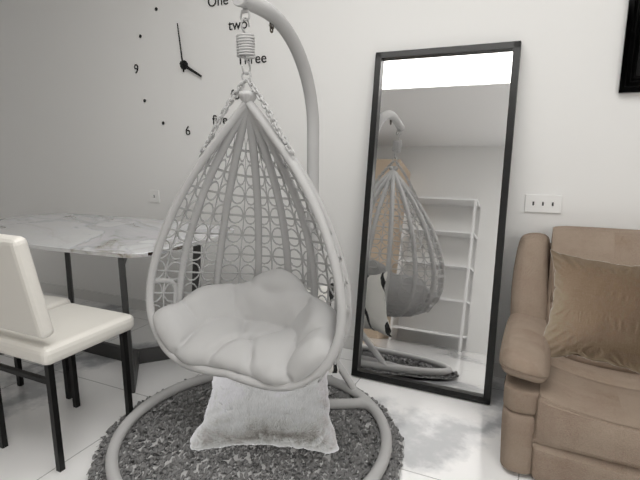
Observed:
{"hour": 3, "minute": 59}
